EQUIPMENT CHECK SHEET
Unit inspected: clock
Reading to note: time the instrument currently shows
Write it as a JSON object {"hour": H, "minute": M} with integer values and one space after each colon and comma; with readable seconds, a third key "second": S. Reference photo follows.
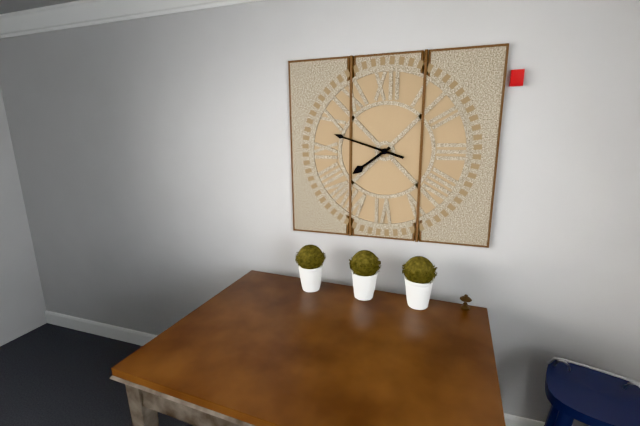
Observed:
{"hour": 7, "minute": 48}
